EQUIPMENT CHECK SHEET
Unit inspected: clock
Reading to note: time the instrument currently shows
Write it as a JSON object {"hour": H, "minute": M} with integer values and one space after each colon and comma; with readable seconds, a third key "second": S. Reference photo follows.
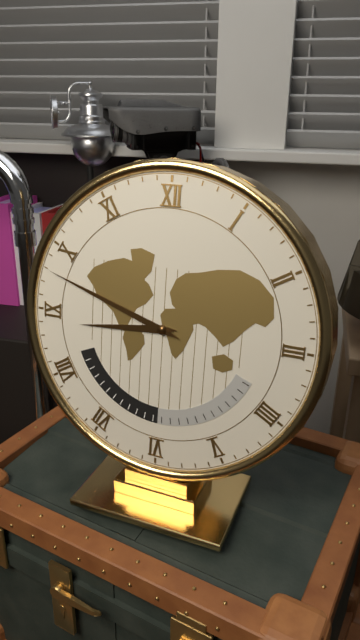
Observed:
{"hour": 8, "minute": 48}
